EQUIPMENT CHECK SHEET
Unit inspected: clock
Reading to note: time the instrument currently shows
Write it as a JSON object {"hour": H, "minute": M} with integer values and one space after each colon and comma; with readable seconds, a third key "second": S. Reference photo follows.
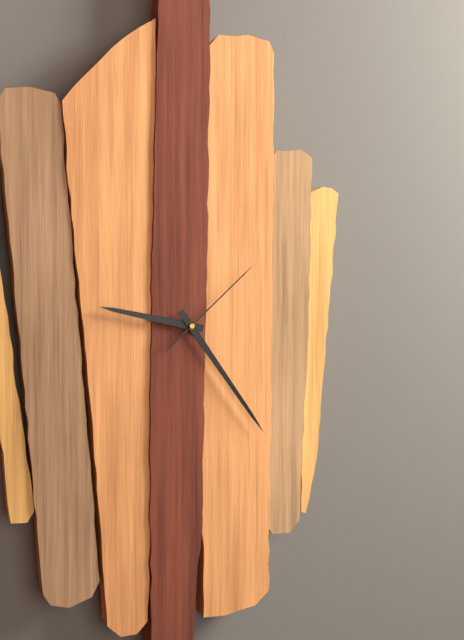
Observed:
{"hour": 9, "minute": 24, "second": 8}
